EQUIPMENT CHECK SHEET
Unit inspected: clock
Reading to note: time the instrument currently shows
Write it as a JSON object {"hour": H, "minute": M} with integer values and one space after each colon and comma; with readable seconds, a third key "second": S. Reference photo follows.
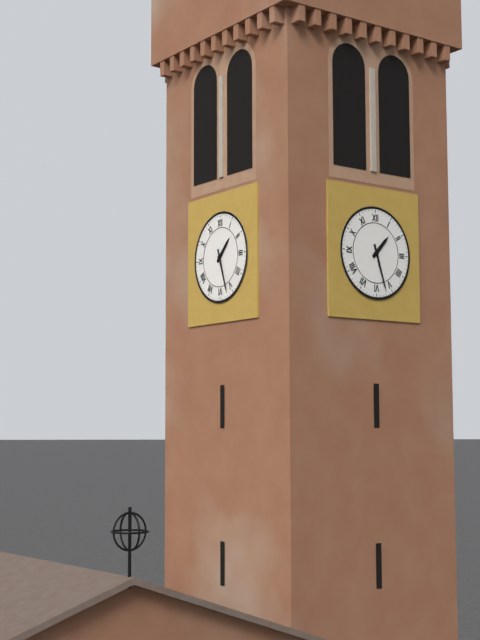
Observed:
{"hour": 1, "minute": 27}
